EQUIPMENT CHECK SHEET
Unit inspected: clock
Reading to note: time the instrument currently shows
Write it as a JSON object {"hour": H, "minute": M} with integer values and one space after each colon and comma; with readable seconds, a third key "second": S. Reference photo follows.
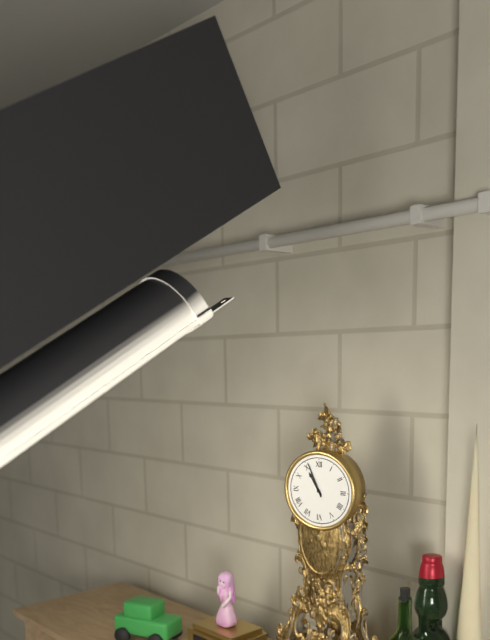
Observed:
{"hour": 10, "minute": 56}
